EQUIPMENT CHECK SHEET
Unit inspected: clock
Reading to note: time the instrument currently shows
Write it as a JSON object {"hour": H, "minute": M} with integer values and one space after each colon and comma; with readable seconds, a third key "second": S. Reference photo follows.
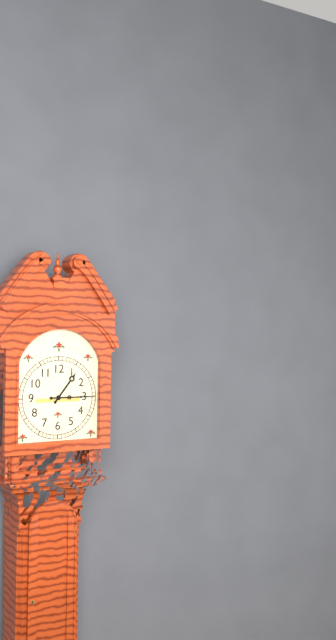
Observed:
{"hour": 1, "minute": 15}
